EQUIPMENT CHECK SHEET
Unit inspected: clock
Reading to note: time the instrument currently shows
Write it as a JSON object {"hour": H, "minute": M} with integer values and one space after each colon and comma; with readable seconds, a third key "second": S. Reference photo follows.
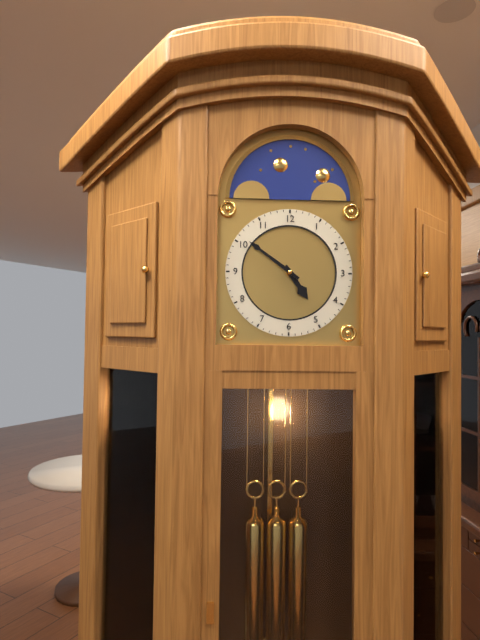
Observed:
{"hour": 4, "minute": 51}
